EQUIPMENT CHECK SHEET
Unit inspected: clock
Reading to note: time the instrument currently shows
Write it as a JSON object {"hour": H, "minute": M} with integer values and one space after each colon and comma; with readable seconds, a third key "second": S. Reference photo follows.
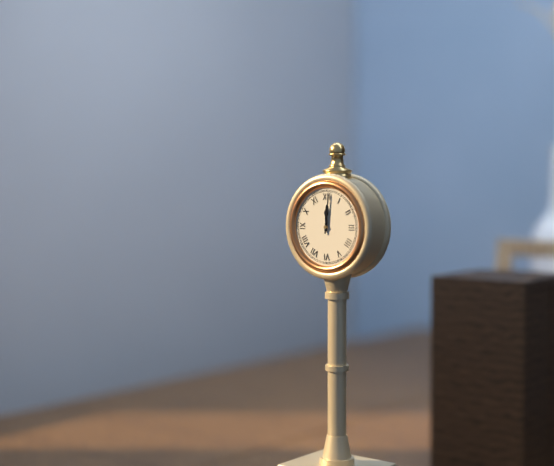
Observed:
{"hour": 12, "minute": 1}
